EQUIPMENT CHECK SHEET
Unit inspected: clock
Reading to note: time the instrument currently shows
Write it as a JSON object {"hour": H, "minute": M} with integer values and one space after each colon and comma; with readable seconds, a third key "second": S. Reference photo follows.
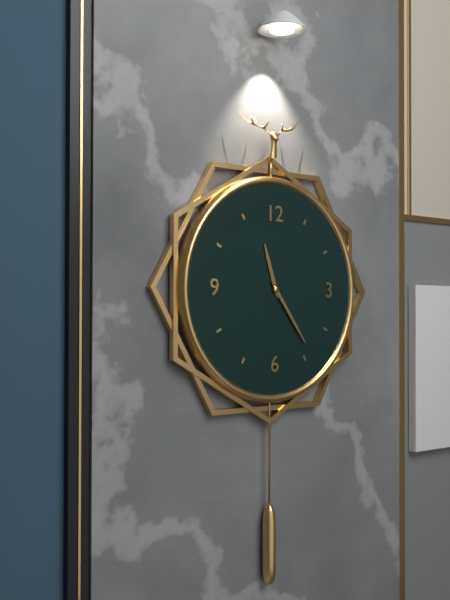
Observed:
{"hour": 11, "minute": 24}
